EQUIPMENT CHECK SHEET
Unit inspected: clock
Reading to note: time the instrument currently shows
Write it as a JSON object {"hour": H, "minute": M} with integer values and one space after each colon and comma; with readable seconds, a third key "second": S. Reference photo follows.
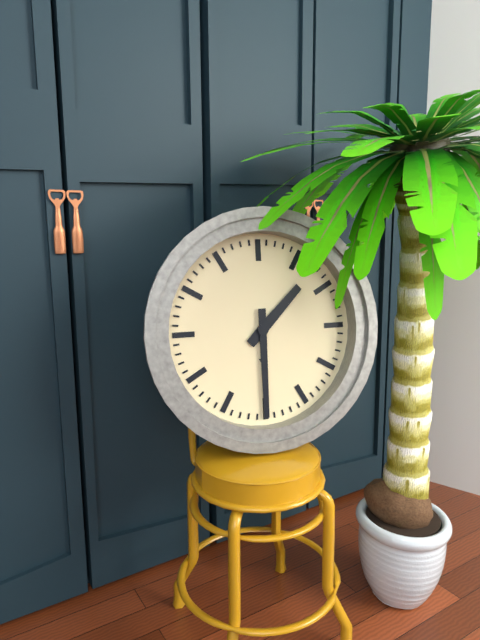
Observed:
{"hour": 1, "minute": 30}
